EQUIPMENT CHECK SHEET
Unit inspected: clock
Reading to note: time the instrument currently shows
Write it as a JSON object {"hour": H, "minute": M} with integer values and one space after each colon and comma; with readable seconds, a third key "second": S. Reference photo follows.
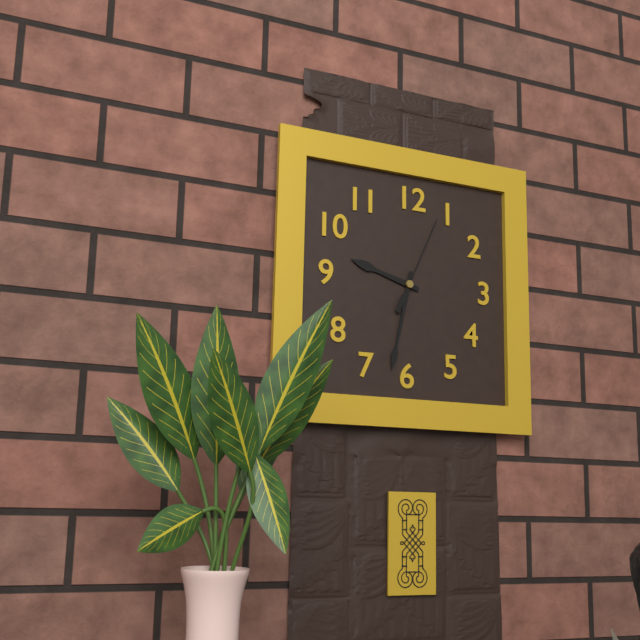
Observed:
{"hour": 9, "minute": 32, "second": 4}
